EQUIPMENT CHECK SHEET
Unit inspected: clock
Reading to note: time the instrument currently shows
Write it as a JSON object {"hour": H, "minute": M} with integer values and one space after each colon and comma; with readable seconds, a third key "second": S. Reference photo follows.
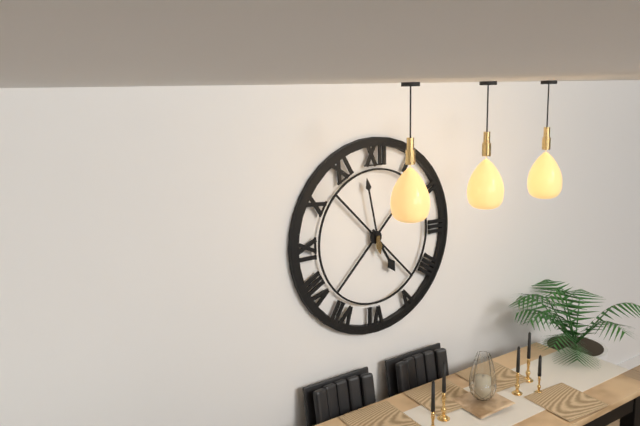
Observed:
{"hour": 4, "minute": 58}
